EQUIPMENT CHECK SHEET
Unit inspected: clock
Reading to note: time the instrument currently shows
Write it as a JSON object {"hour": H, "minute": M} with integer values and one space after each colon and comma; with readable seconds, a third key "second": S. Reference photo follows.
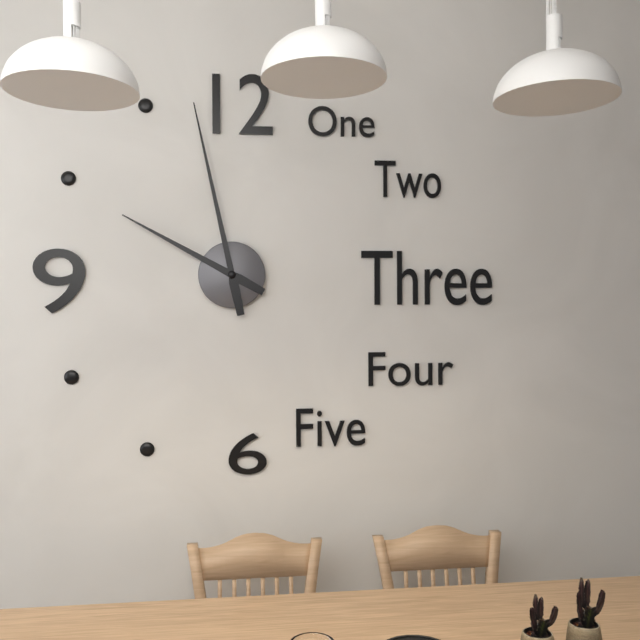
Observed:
{"hour": 9, "minute": 58}
